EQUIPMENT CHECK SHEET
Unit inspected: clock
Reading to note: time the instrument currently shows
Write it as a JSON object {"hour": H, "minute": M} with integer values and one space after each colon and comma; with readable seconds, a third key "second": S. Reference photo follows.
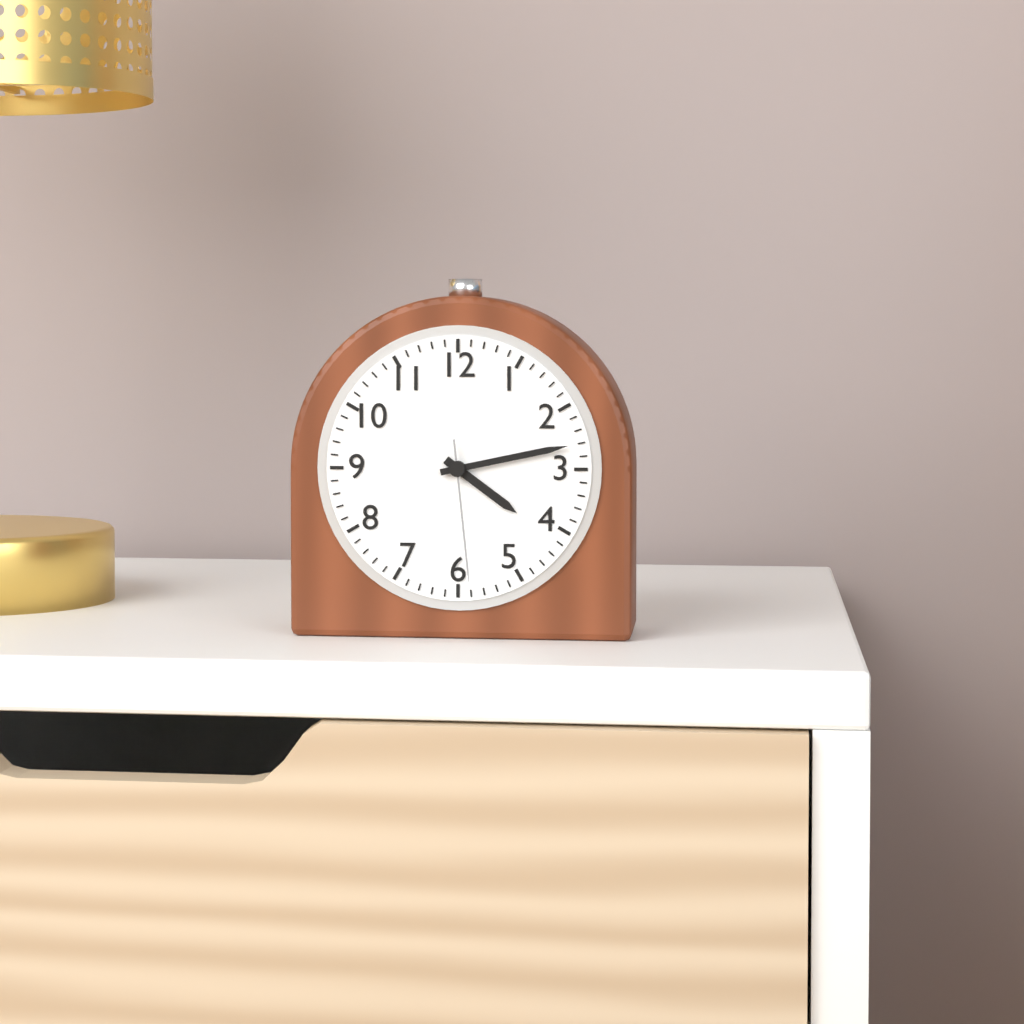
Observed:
{"hour": 4, "minute": 13, "second": 29}
